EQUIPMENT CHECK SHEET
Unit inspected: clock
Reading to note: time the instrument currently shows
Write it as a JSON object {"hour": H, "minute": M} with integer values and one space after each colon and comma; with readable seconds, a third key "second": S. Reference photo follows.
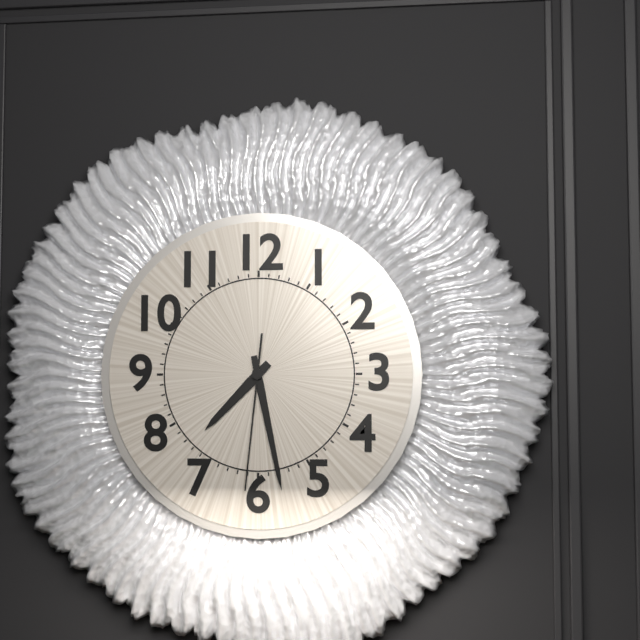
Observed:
{"hour": 7, "minute": 28, "second": 31}
